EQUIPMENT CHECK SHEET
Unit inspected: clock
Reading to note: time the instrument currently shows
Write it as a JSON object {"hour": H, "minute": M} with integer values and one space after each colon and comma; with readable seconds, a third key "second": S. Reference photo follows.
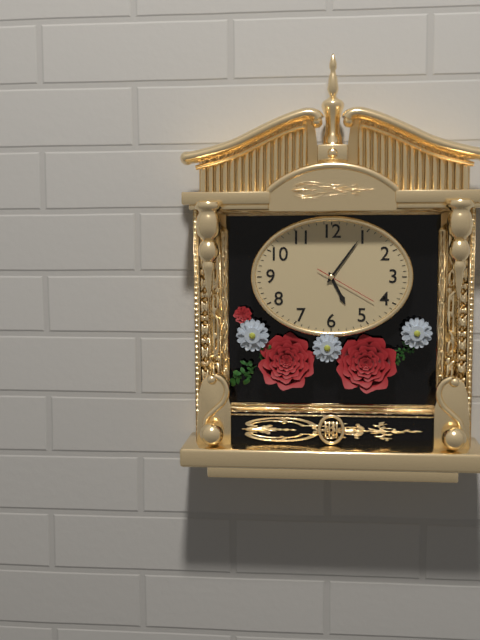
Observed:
{"hour": 5, "minute": 6, "second": 20}
